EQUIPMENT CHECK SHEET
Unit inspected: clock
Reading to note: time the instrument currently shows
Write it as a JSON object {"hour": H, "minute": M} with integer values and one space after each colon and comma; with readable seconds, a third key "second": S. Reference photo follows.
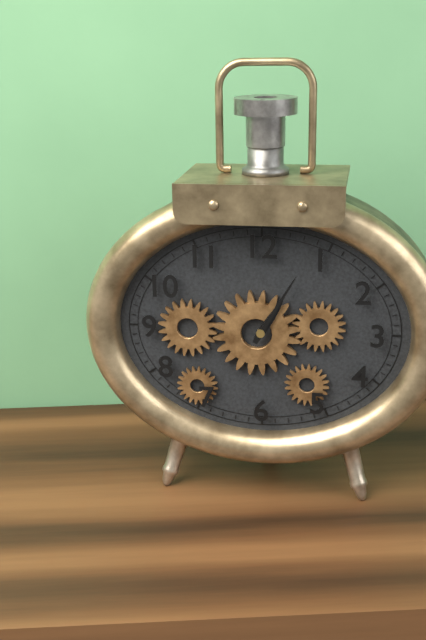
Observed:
{"hour": 1, "minute": 5}
